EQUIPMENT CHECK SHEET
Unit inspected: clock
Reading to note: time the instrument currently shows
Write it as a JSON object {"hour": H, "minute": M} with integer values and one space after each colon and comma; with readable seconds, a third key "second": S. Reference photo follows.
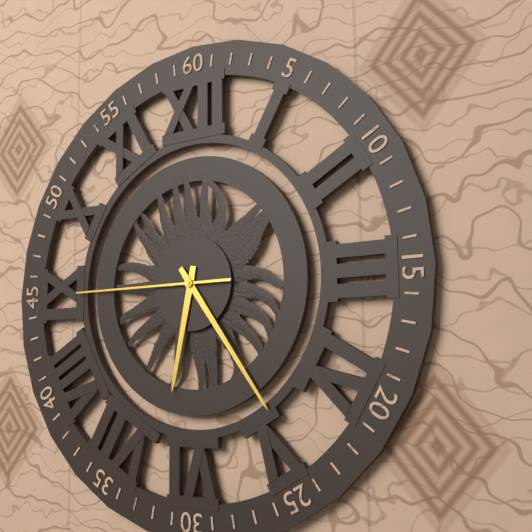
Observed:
{"hour": 6, "minute": 24, "second": 45}
